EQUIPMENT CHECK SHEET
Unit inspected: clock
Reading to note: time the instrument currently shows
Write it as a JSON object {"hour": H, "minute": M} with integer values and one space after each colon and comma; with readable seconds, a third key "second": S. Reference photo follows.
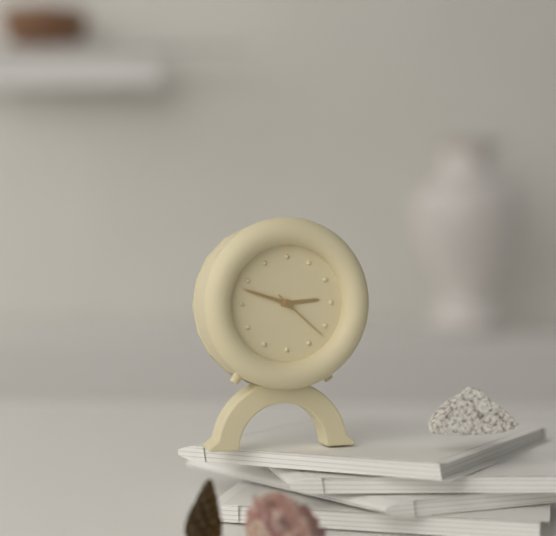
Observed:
{"hour": 2, "minute": 48, "second": 22}
